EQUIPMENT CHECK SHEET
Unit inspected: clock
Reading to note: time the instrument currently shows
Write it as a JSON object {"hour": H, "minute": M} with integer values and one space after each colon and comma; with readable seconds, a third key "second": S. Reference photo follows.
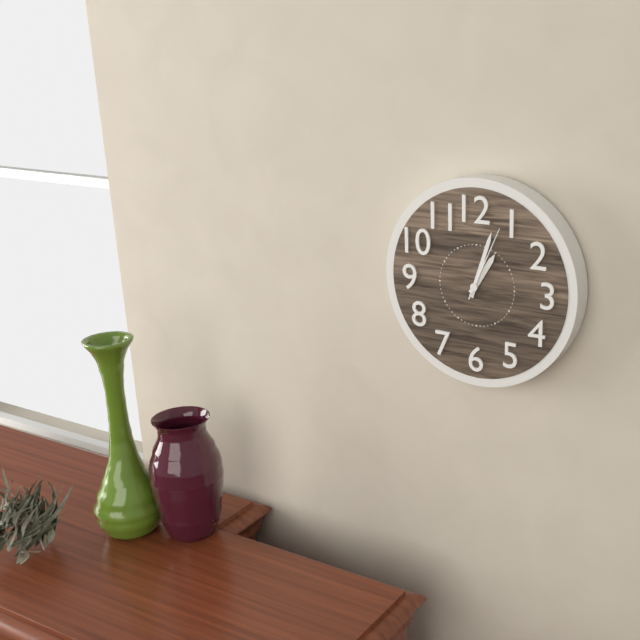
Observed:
{"hour": 1, "minute": 3, "second": 4}
